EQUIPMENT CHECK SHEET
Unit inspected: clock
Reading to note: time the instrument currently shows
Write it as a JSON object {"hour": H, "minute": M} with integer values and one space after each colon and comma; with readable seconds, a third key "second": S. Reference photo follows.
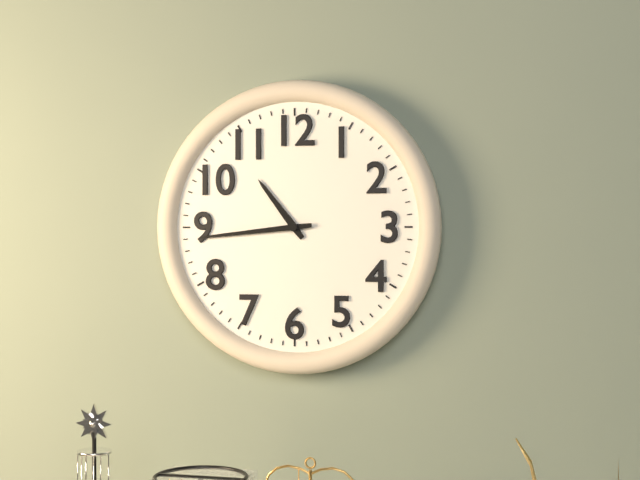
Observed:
{"hour": 10, "minute": 44}
